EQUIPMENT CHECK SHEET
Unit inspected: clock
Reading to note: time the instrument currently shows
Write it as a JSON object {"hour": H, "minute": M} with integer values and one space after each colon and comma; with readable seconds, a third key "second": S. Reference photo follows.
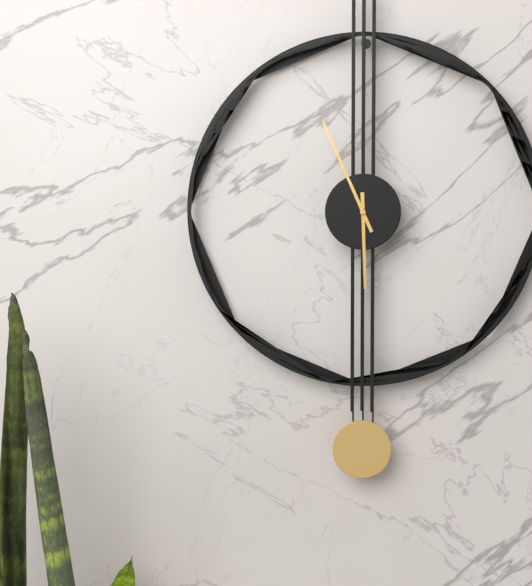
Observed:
{"hour": 5, "minute": 56}
